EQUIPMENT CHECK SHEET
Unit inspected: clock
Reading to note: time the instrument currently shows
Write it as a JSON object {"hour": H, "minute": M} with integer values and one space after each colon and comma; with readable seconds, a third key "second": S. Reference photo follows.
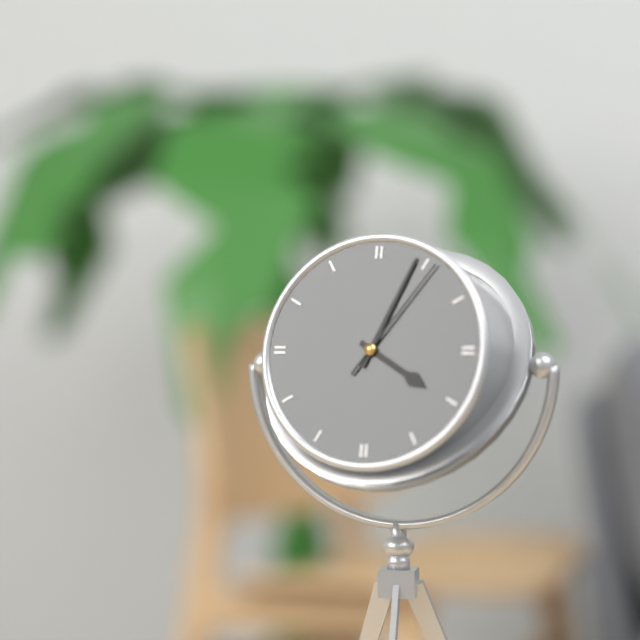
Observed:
{"hour": 4, "minute": 4, "second": 6}
